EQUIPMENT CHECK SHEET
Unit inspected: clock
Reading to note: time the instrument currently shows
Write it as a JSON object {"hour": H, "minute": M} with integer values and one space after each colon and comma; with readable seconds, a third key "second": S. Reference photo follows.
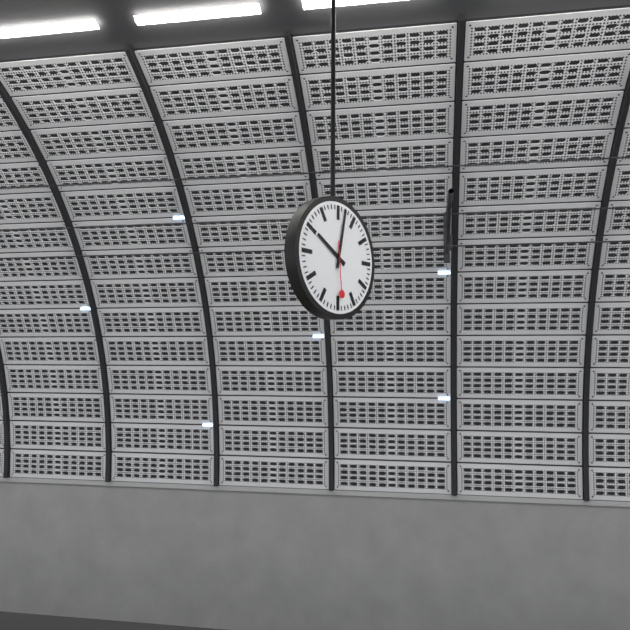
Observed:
{"hour": 10, "minute": 2, "second": 29}
